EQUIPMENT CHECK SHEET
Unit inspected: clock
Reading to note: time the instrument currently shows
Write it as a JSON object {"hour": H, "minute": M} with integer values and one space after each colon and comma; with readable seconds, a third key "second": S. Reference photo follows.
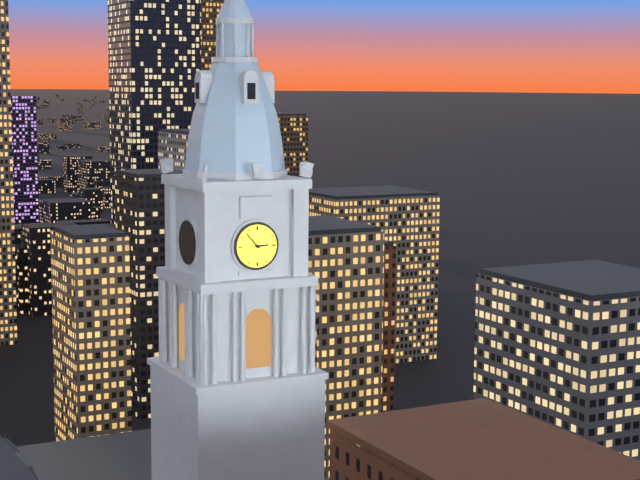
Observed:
{"hour": 2, "minute": 53}
